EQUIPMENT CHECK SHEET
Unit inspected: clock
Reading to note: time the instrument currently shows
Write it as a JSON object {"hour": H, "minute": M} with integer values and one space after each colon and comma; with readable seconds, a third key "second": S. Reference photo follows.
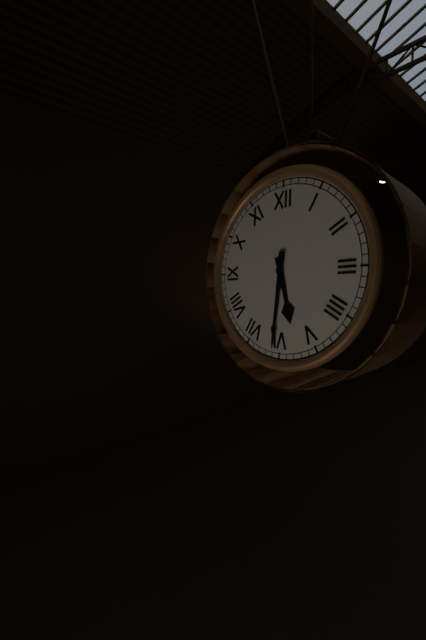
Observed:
{"hour": 5, "minute": 31}
